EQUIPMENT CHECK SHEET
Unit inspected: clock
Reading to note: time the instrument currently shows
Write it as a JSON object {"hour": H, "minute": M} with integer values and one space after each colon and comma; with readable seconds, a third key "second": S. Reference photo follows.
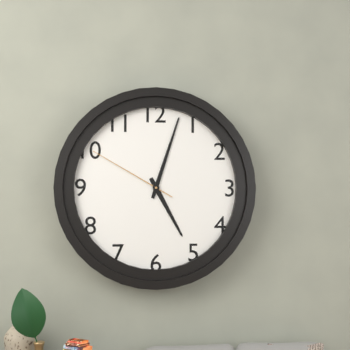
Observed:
{"hour": 5, "minute": 3, "second": 50}
